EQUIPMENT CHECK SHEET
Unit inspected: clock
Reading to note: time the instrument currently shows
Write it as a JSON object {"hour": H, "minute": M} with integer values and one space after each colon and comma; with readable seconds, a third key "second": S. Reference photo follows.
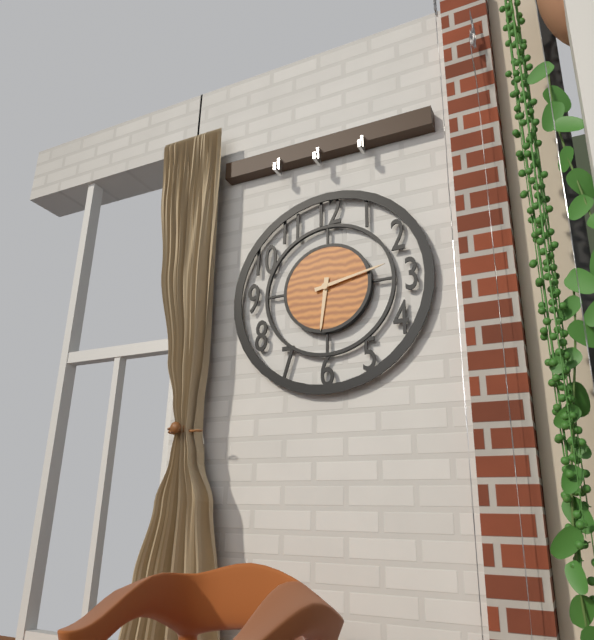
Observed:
{"hour": 6, "minute": 13}
